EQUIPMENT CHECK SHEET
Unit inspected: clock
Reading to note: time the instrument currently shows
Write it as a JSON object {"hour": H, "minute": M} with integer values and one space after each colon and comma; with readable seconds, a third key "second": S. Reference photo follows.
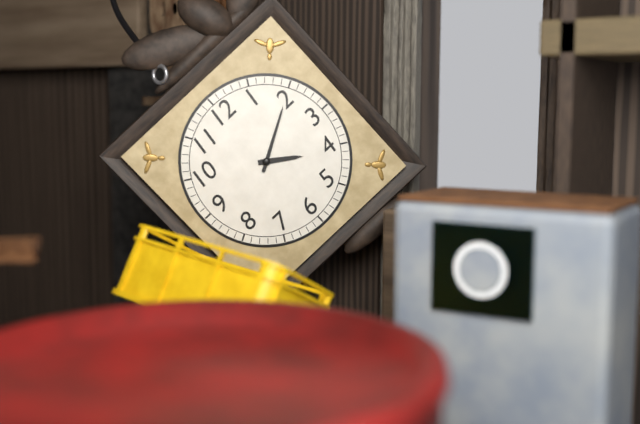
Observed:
{"hour": 4, "minute": 10}
